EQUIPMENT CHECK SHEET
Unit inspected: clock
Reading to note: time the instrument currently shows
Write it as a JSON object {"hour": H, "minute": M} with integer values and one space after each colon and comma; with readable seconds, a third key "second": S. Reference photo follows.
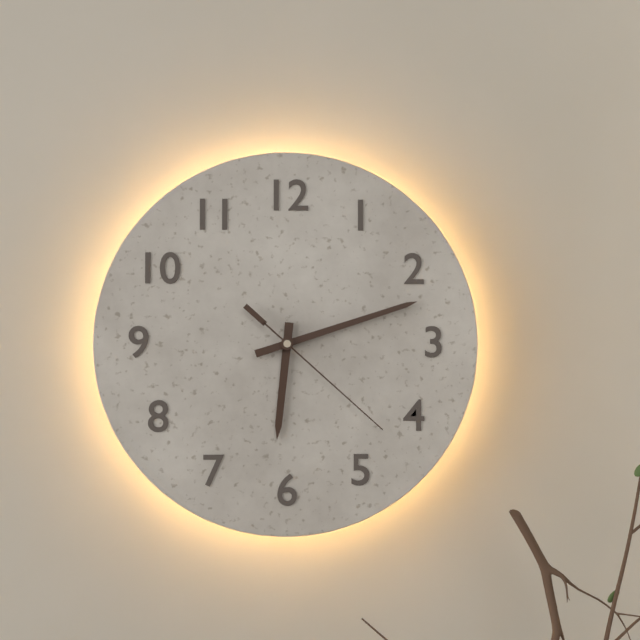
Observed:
{"hour": 6, "minute": 12, "second": 22}
